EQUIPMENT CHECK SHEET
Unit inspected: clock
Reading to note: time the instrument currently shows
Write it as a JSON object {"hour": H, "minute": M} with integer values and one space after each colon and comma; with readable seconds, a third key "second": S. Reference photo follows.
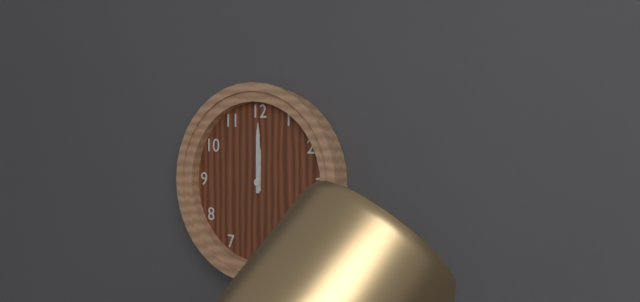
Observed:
{"hour": 12, "minute": 0}
